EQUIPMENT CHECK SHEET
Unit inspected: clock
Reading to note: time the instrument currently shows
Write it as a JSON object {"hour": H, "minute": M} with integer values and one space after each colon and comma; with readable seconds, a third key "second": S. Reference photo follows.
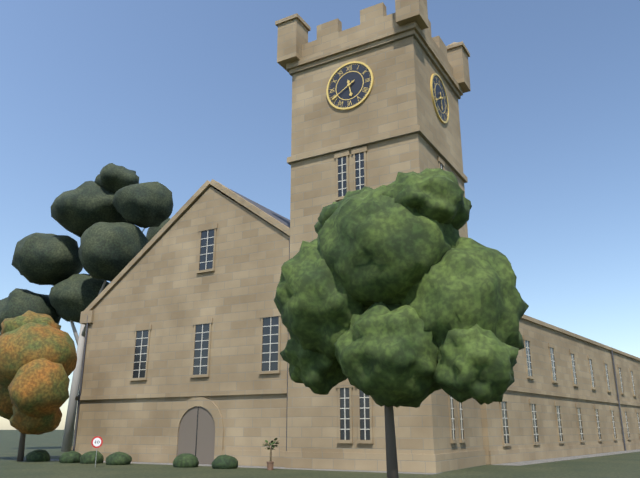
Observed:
{"hour": 5, "minute": 40}
